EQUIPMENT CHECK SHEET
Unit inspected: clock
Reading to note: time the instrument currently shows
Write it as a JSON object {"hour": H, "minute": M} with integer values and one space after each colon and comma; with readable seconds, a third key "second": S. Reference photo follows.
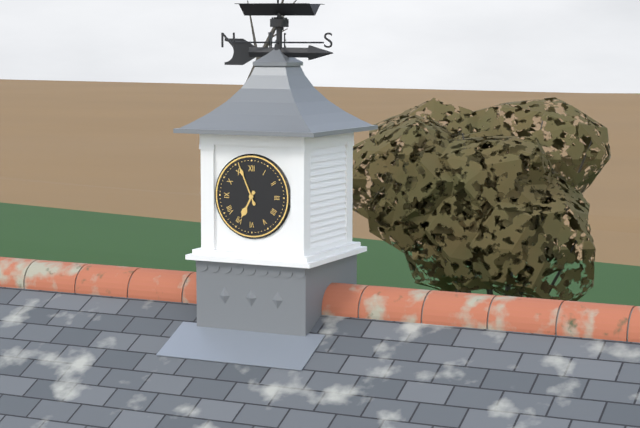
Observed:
{"hour": 6, "minute": 56}
